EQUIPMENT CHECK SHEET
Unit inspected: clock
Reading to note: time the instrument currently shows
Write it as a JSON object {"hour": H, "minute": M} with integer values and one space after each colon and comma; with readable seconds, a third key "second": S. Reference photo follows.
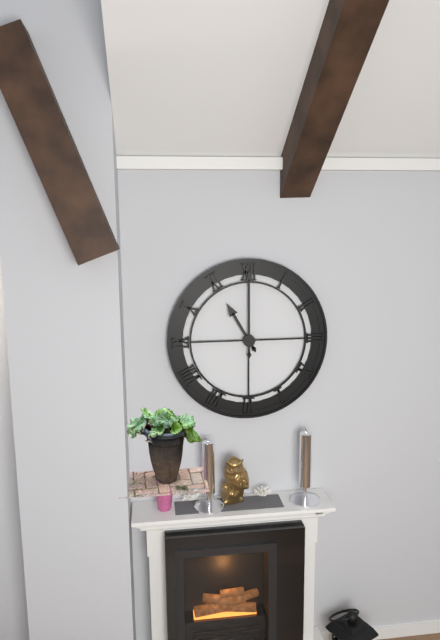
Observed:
{"hour": 11, "minute": 0}
